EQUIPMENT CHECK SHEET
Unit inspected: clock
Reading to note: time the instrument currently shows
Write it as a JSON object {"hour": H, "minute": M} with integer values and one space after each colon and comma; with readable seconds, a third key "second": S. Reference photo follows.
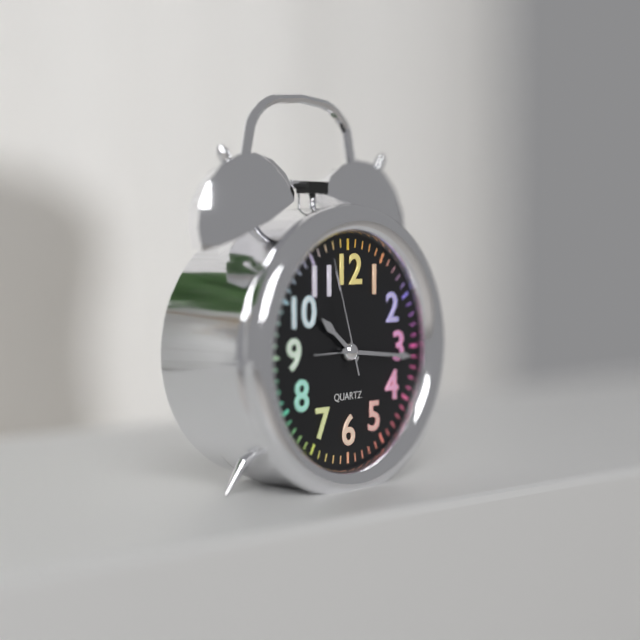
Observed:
{"hour": 10, "minute": 16, "second": 57}
